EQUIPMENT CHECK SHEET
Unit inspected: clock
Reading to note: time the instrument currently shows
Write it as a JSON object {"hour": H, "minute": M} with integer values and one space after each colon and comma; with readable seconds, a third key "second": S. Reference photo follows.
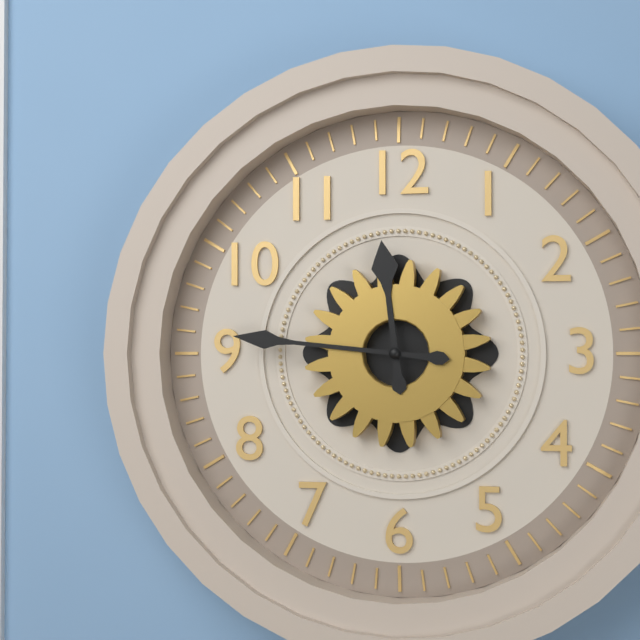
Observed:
{"hour": 11, "minute": 46}
